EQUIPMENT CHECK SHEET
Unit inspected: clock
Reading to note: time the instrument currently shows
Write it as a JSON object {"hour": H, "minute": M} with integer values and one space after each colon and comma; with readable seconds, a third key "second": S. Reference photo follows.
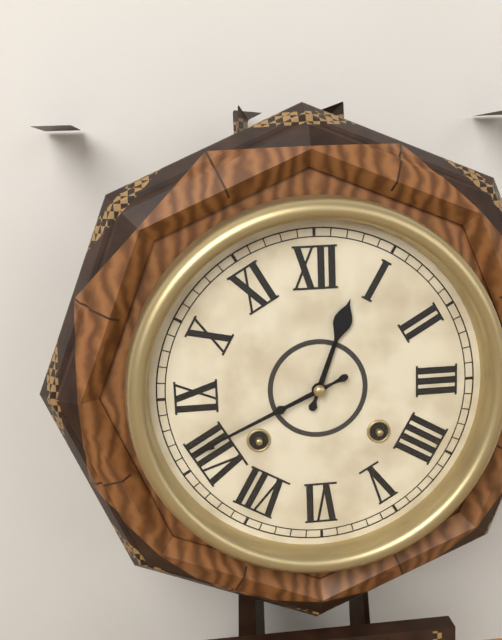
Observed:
{"hour": 12, "minute": 41}
